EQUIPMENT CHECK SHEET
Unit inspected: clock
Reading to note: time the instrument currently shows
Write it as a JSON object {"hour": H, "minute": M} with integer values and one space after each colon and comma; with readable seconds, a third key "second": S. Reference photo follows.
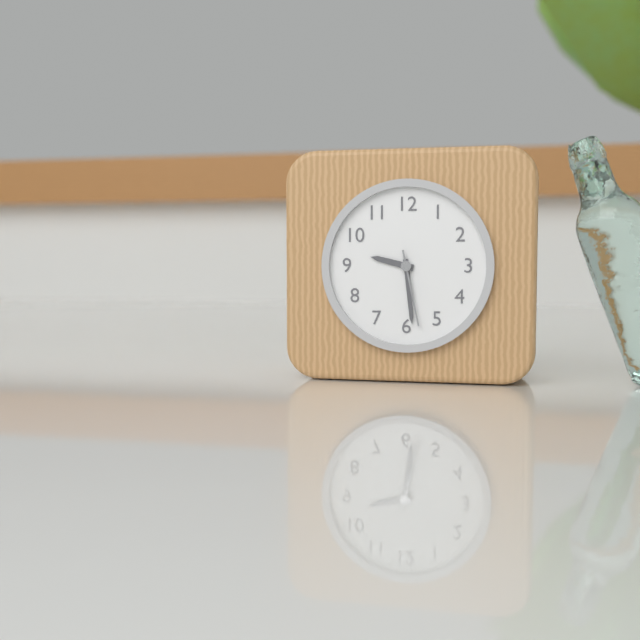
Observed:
{"hour": 9, "minute": 29, "second": 28}
